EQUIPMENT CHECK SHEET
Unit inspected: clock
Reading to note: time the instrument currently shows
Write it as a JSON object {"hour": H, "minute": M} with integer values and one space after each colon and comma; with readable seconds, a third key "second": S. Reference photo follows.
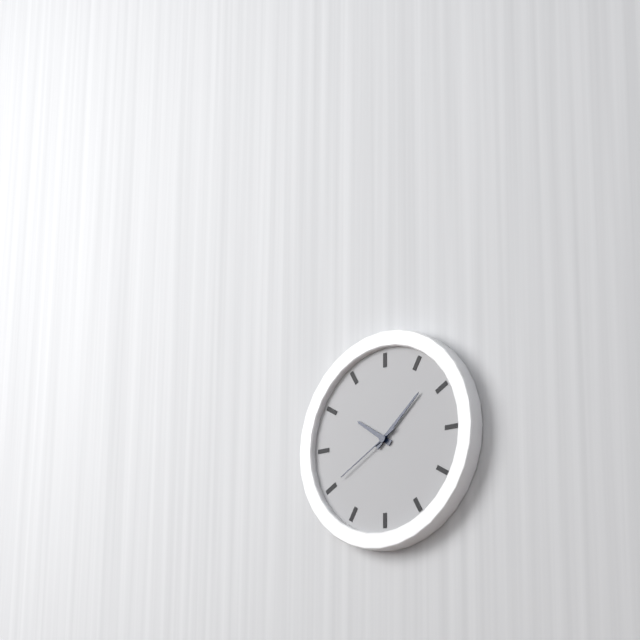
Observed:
{"hour": 10, "minute": 8, "second": 40}
